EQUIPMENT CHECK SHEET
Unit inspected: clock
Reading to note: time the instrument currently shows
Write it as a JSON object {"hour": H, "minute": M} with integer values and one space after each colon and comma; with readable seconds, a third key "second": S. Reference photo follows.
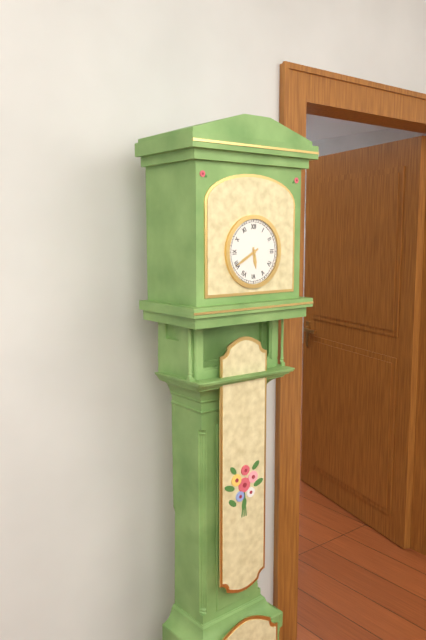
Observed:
{"hour": 5, "minute": 40}
